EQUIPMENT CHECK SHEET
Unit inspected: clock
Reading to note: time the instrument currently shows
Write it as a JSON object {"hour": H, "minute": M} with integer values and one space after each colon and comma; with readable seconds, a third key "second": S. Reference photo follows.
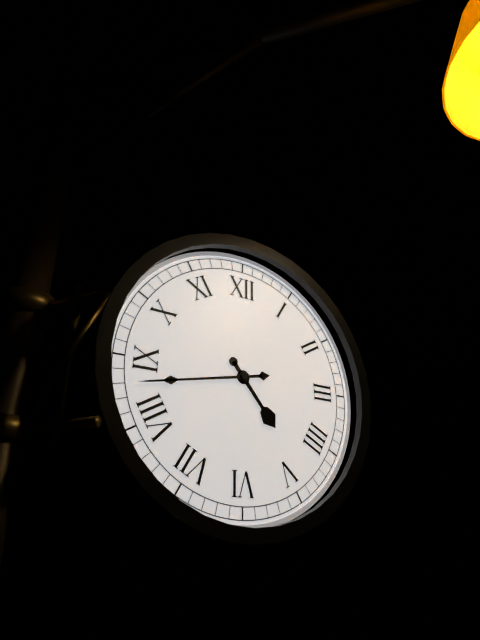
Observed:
{"hour": 4, "minute": 43}
